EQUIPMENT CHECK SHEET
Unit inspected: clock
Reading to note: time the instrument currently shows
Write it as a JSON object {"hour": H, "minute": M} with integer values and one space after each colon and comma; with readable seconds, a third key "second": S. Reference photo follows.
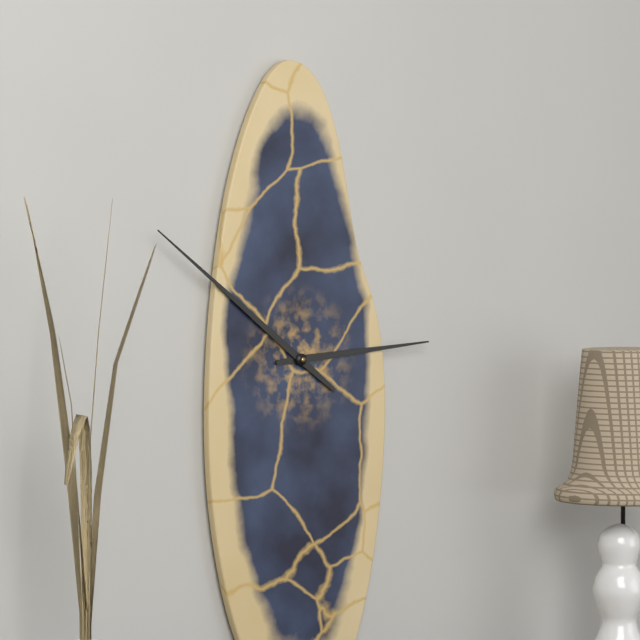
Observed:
{"hour": 2, "minute": 51}
